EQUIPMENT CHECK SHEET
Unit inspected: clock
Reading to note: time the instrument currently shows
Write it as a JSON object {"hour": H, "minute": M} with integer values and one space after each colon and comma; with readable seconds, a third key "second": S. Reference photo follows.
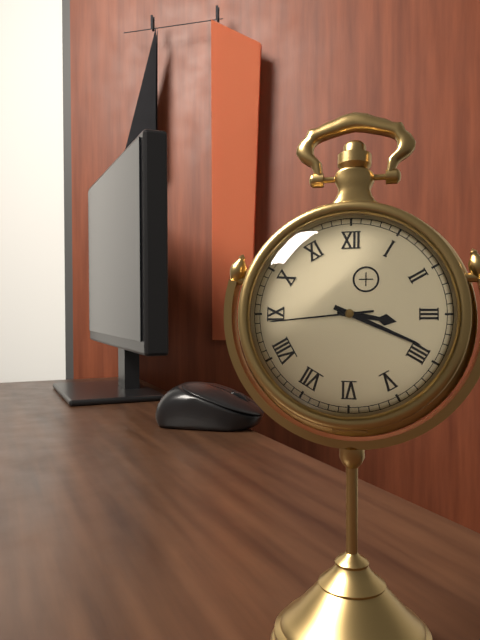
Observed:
{"hour": 3, "minute": 19, "second": 44}
